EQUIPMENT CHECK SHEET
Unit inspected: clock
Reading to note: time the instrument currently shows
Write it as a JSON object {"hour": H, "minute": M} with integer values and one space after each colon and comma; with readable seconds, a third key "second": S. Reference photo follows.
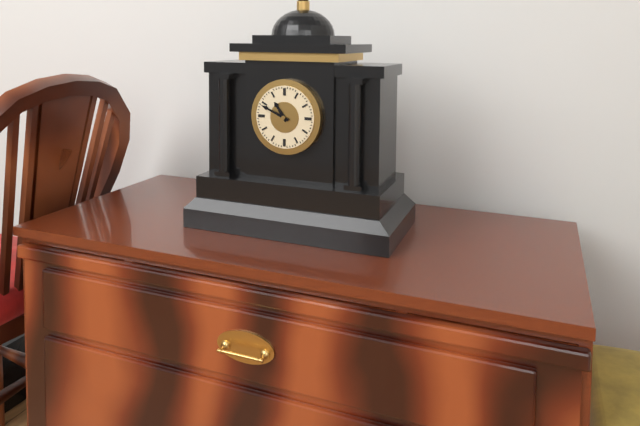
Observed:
{"hour": 10, "minute": 49}
